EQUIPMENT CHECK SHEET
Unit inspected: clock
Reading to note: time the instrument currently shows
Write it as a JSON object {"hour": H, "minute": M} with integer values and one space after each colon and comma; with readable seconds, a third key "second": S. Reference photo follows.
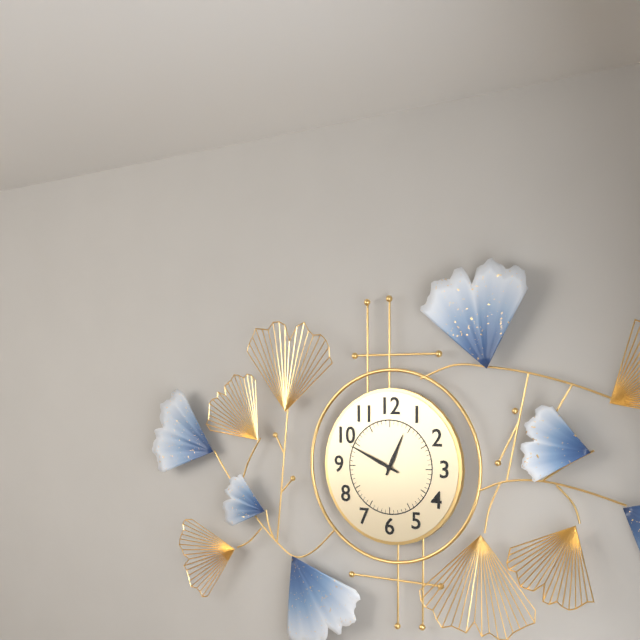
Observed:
{"hour": 12, "minute": 49}
